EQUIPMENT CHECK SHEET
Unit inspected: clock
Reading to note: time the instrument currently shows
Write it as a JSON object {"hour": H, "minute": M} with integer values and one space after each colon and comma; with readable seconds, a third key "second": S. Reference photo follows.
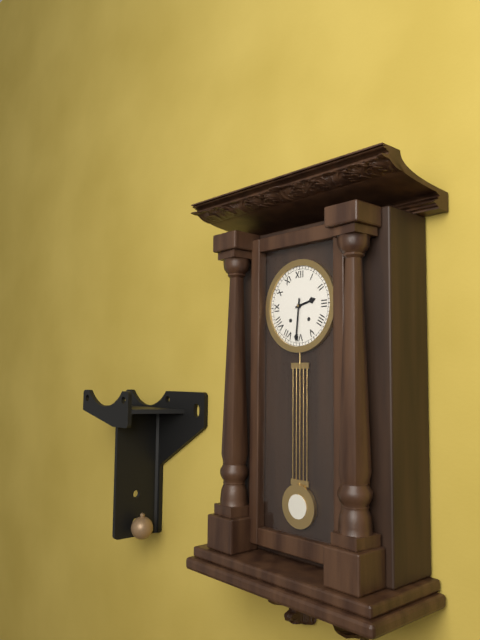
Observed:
{"hour": 2, "minute": 31}
